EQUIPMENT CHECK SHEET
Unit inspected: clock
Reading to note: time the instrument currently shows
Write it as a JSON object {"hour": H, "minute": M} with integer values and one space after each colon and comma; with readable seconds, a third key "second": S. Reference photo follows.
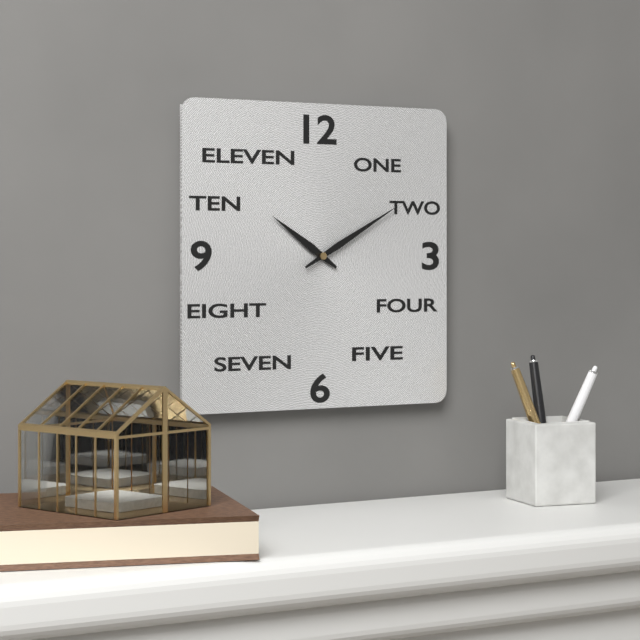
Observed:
{"hour": 10, "minute": 10}
